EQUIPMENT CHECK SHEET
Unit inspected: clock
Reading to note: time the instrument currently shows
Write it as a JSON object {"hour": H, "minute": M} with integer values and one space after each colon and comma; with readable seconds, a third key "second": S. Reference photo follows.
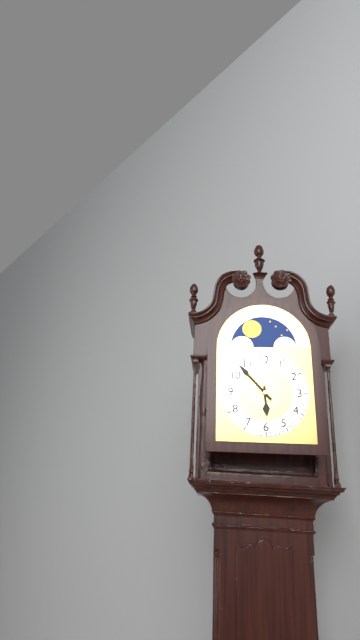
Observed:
{"hour": 5, "minute": 53}
